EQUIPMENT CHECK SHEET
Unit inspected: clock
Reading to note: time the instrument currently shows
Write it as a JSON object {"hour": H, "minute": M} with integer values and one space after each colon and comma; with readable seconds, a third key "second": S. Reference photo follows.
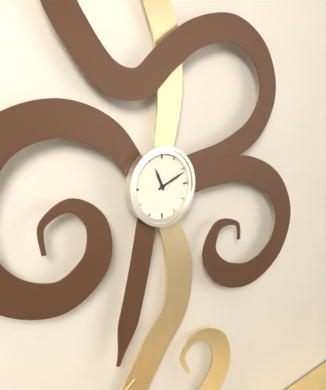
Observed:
{"hour": 11, "minute": 11}
